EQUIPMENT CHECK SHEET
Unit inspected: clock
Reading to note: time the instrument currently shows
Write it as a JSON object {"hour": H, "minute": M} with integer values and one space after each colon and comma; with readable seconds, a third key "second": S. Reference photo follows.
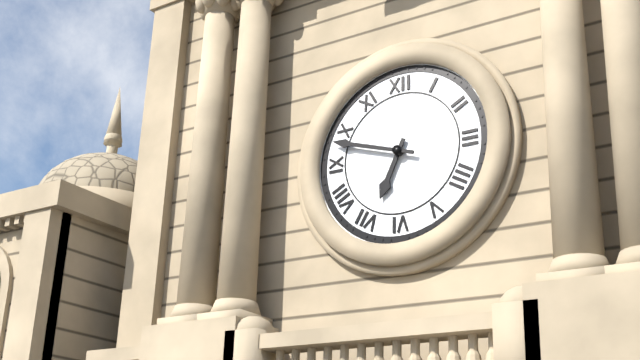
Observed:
{"hour": 6, "minute": 48}
